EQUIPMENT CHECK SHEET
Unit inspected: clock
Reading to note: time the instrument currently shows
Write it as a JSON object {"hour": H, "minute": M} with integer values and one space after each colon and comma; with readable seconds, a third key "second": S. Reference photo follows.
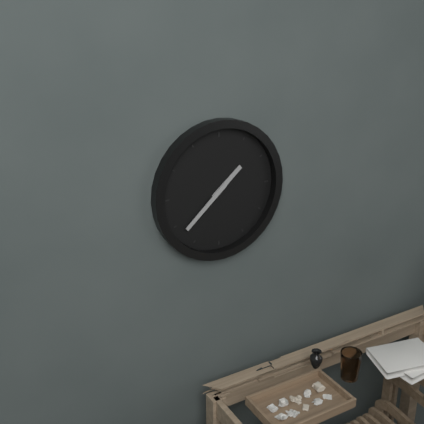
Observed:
{"hour": 1, "minute": 38}
